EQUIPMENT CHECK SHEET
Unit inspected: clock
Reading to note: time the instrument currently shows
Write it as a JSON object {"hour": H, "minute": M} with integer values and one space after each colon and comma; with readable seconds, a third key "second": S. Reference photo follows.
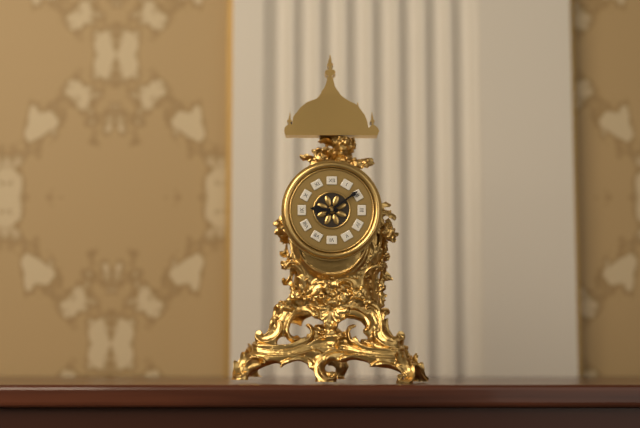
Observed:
{"hour": 9, "minute": 9}
